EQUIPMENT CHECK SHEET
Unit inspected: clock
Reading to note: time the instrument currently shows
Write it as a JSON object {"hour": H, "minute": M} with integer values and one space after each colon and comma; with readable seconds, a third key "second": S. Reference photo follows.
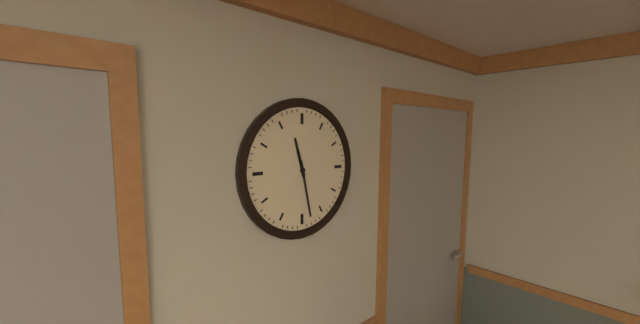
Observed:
{"hour": 11, "minute": 28}
